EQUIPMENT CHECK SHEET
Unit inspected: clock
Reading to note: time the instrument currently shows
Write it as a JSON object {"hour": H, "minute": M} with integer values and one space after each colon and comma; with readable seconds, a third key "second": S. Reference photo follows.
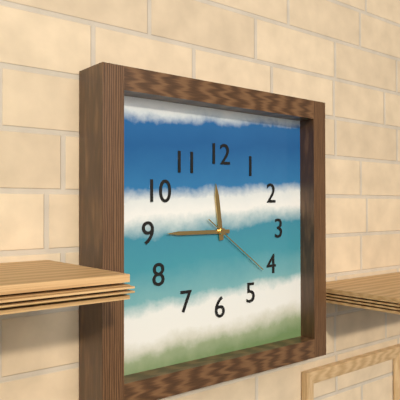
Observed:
{"hour": 11, "minute": 45, "second": 21}
